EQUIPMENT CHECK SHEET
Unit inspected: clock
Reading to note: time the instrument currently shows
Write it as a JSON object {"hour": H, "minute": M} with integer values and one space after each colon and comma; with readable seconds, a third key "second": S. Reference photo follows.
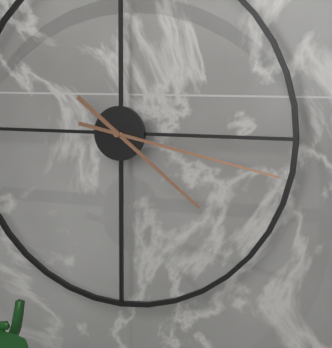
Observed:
{"hour": 4, "minute": 17}
